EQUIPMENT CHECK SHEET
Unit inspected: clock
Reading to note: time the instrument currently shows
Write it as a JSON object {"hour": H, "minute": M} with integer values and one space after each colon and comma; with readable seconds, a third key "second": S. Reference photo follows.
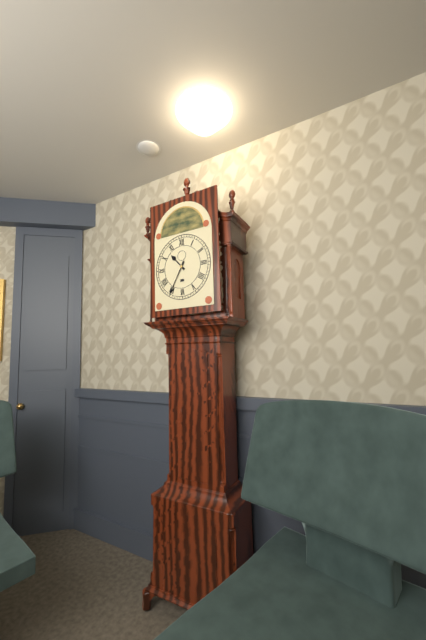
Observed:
{"hour": 10, "minute": 35}
